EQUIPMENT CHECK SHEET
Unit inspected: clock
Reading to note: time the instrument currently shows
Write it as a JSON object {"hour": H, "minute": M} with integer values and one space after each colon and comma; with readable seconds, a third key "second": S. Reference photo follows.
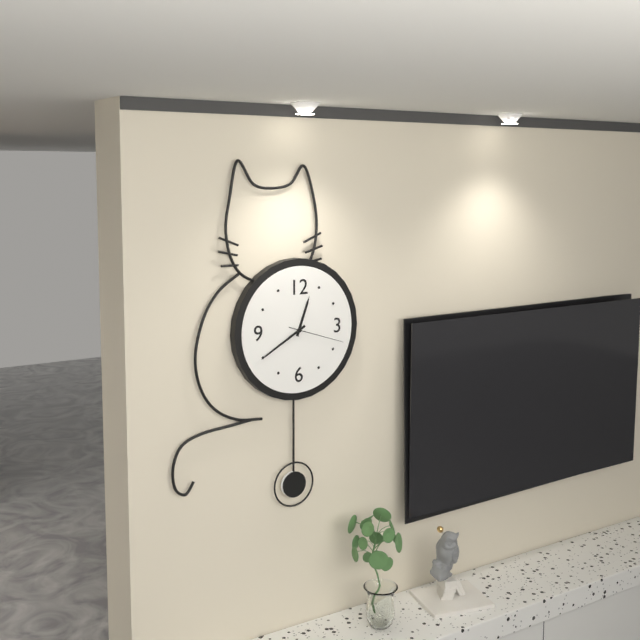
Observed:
{"hour": 12, "minute": 40, "second": 18}
